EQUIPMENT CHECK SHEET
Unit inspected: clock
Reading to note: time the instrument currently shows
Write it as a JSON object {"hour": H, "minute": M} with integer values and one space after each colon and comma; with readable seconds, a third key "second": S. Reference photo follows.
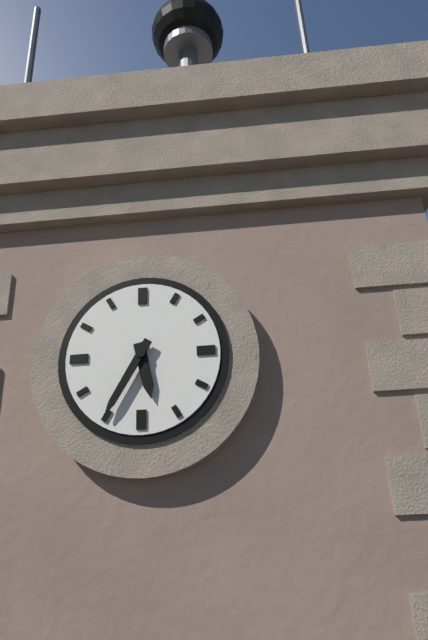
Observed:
{"hour": 5, "minute": 35}
